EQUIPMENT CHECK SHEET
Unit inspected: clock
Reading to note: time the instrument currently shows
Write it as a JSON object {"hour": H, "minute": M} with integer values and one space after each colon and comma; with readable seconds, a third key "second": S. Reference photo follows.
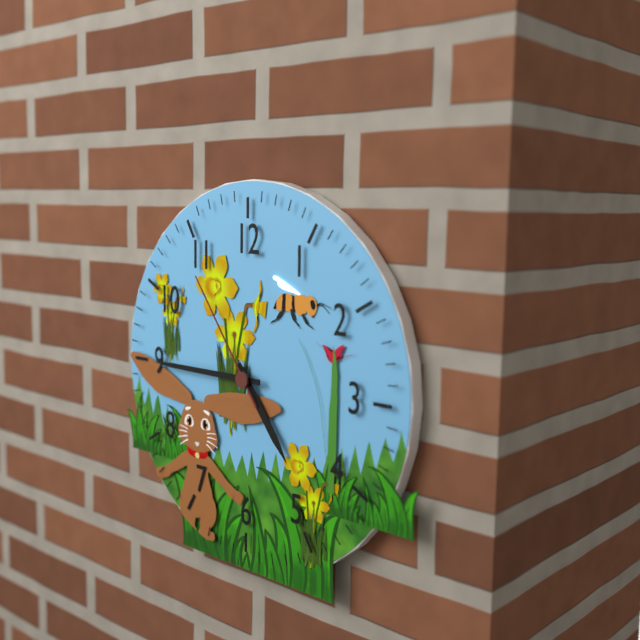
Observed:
{"hour": 4, "minute": 45, "second": 54}
